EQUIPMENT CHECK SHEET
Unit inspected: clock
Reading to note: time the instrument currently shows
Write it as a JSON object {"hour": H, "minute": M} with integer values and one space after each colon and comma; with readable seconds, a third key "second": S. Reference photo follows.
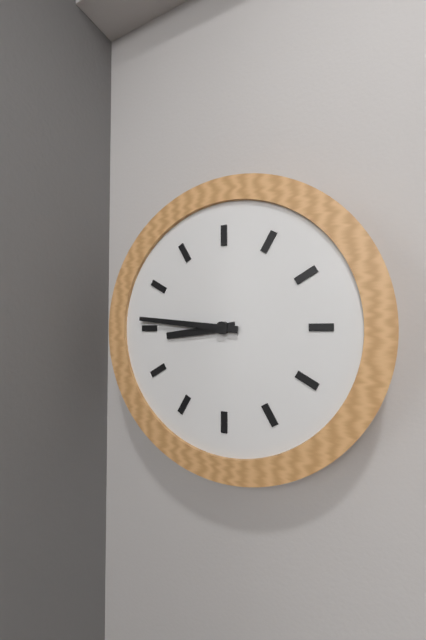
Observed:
{"hour": 8, "minute": 46}
